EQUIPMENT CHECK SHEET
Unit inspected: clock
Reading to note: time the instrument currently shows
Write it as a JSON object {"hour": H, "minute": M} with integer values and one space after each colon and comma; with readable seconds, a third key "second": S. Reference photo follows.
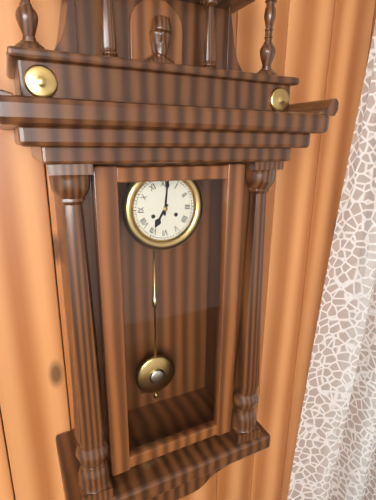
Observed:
{"hour": 7, "minute": 1}
